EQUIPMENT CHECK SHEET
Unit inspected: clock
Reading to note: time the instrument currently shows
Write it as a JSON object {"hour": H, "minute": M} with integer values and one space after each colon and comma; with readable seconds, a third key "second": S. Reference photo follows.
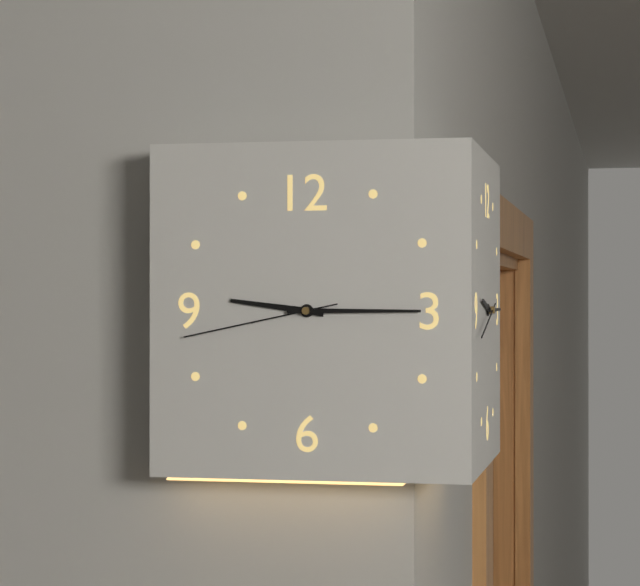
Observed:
{"hour": 9, "minute": 15, "second": 43}
